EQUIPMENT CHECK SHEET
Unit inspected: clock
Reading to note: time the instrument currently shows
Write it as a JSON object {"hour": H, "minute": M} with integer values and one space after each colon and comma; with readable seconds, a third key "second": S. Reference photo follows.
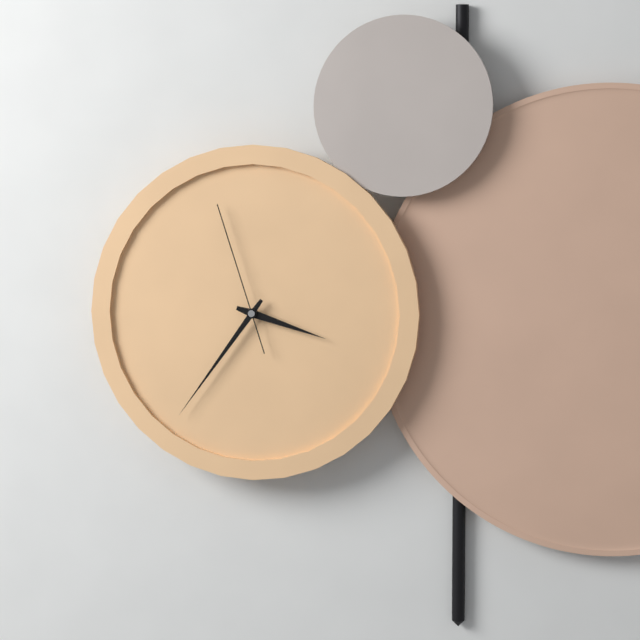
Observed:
{"hour": 3, "minute": 36, "second": 57}
